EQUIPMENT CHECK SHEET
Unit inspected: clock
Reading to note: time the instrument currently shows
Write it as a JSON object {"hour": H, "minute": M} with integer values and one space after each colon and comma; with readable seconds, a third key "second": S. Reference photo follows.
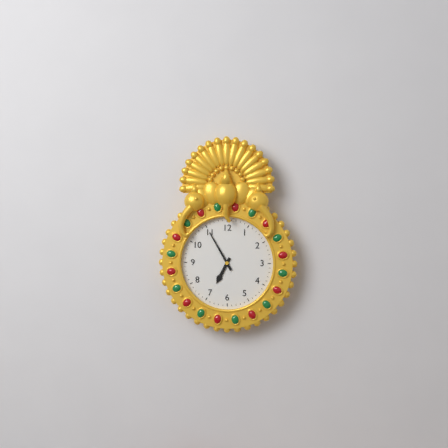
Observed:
{"hour": 6, "minute": 55}
